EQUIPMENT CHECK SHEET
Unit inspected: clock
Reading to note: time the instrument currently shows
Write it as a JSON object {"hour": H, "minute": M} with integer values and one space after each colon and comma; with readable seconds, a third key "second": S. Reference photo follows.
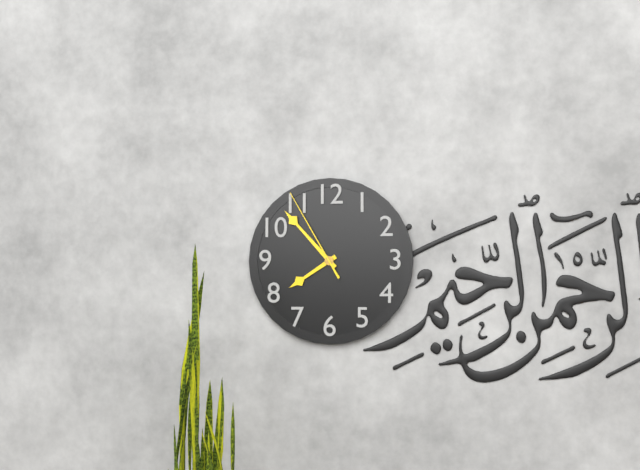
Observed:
{"hour": 7, "minute": 53, "second": 55}
